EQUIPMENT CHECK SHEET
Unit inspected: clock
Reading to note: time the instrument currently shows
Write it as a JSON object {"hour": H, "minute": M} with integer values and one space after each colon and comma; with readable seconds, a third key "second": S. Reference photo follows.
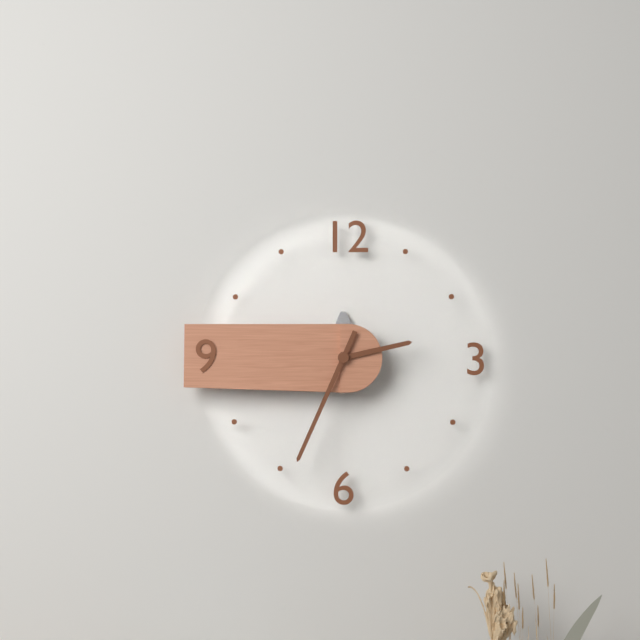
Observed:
{"hour": 2, "minute": 34}
